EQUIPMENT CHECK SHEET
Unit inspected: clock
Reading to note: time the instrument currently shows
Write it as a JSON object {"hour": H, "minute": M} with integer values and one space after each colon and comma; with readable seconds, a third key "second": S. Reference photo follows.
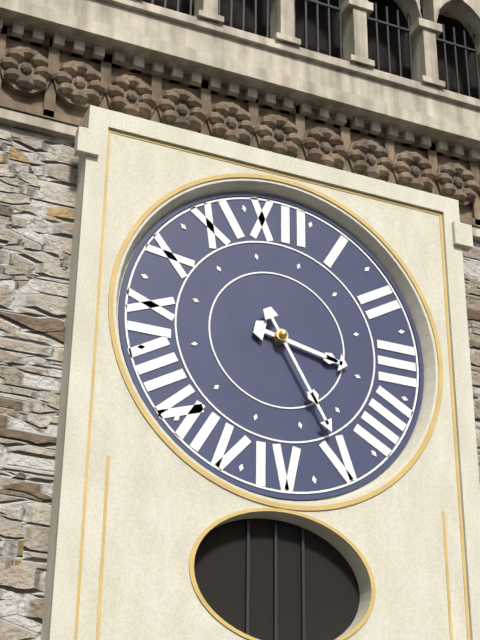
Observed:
{"hour": 3, "minute": 25}
